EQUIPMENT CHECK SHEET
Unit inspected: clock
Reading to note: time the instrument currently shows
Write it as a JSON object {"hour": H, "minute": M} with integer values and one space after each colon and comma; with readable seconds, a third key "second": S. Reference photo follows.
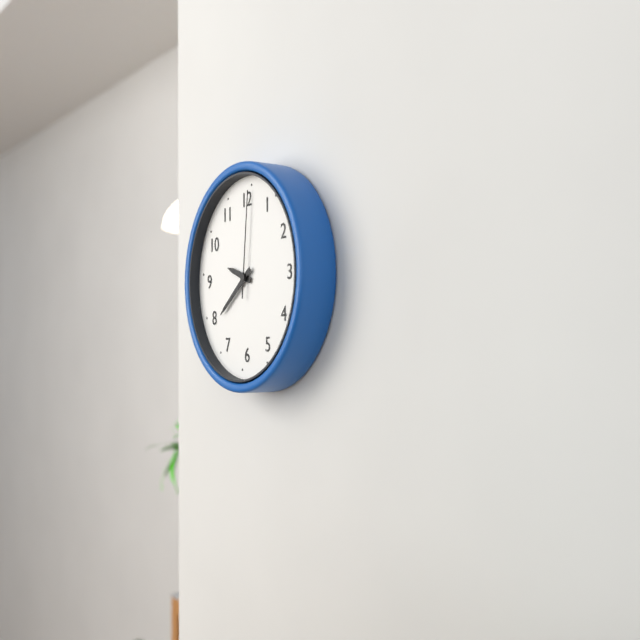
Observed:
{"hour": 9, "minute": 39, "second": 1}
